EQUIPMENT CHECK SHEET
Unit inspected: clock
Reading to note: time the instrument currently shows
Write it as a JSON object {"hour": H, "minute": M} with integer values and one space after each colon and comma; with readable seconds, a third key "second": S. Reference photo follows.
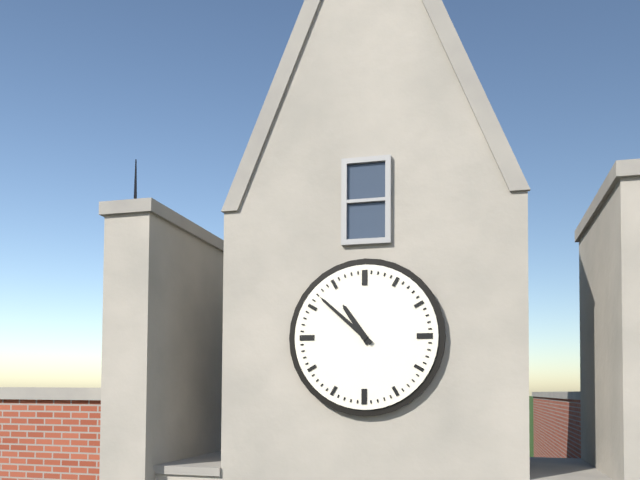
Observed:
{"hour": 10, "minute": 52}
